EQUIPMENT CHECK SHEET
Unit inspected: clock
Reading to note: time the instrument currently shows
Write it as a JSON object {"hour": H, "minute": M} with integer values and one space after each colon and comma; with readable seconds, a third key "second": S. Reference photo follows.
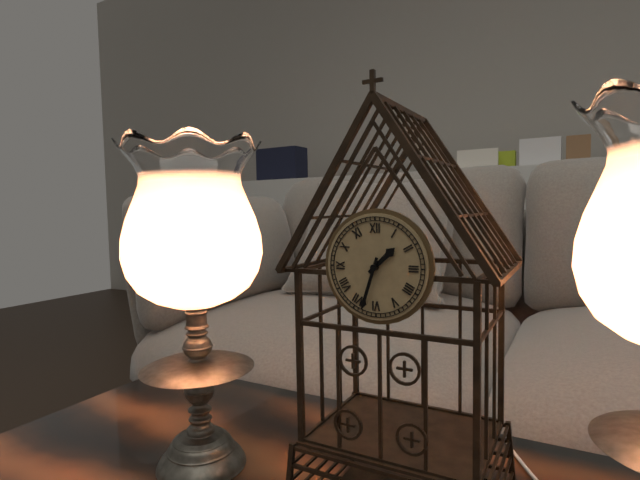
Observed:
{"hour": 1, "minute": 33}
